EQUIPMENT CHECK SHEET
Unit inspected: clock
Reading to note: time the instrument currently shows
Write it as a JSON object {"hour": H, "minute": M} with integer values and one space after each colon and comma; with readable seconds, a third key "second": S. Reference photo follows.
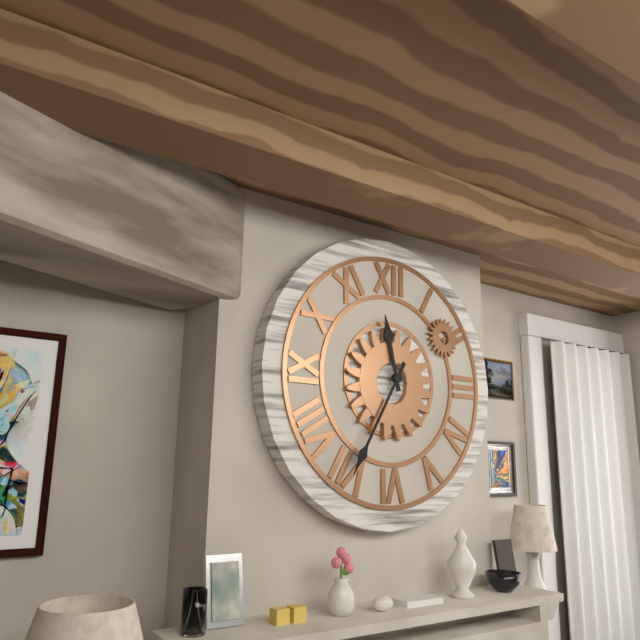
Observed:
{"hour": 11, "minute": 35}
